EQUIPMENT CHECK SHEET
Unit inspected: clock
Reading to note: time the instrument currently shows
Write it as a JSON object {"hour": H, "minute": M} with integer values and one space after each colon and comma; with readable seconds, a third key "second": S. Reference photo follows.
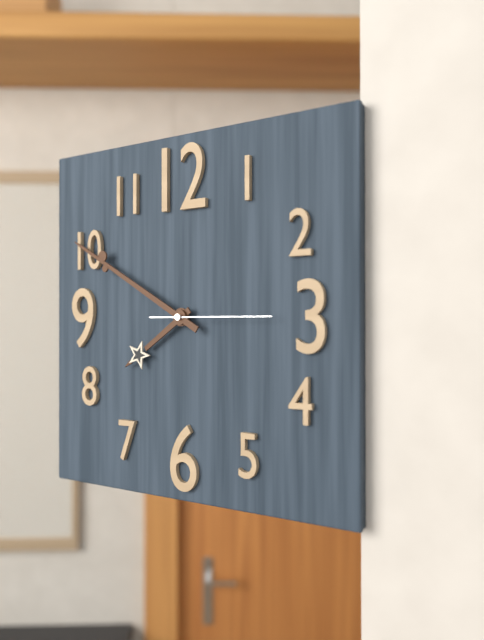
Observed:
{"hour": 7, "minute": 50, "second": 15}
